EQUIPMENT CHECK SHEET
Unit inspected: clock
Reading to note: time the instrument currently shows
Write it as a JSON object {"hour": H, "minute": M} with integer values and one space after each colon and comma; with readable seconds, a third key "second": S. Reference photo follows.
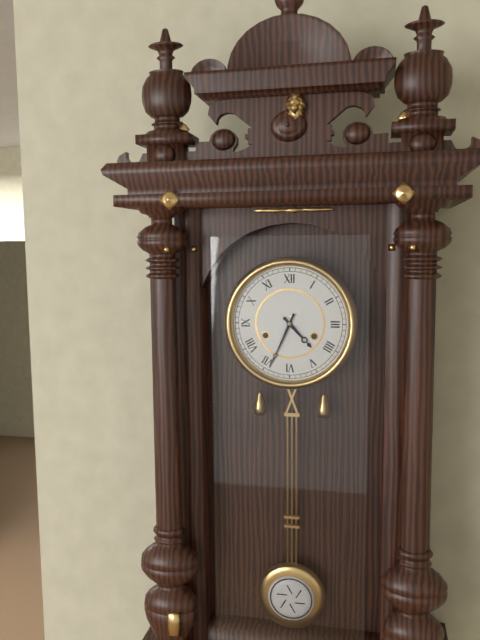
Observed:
{"hour": 4, "minute": 34}
